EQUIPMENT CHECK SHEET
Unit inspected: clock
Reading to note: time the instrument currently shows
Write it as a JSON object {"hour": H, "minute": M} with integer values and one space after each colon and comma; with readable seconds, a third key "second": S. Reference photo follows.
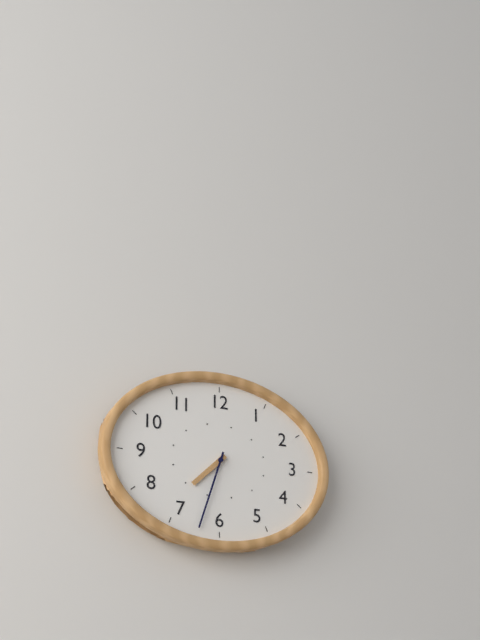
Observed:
{"hour": 7, "minute": 33}
